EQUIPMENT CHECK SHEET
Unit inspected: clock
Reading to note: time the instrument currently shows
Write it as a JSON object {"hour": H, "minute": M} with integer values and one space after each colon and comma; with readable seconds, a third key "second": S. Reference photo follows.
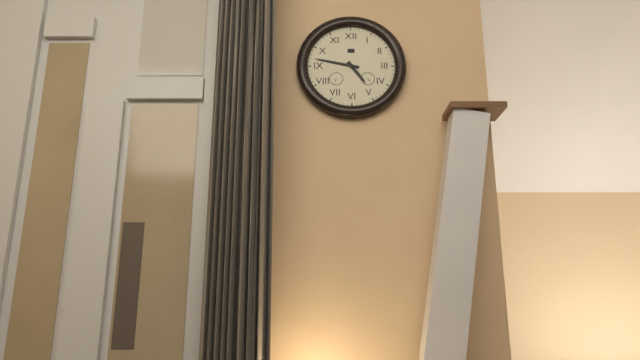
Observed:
{"hour": 4, "minute": 47}
